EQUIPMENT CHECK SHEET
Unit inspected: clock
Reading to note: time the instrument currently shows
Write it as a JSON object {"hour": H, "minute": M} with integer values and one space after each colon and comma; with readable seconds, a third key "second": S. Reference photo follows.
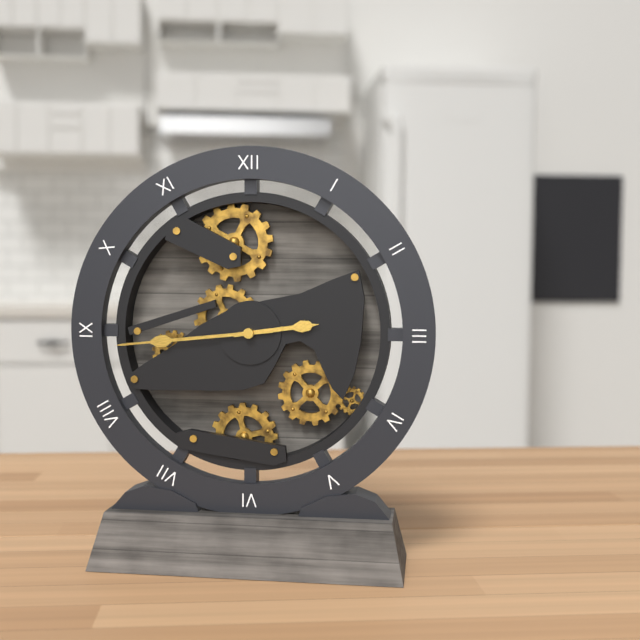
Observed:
{"hour": 2, "minute": 44}
